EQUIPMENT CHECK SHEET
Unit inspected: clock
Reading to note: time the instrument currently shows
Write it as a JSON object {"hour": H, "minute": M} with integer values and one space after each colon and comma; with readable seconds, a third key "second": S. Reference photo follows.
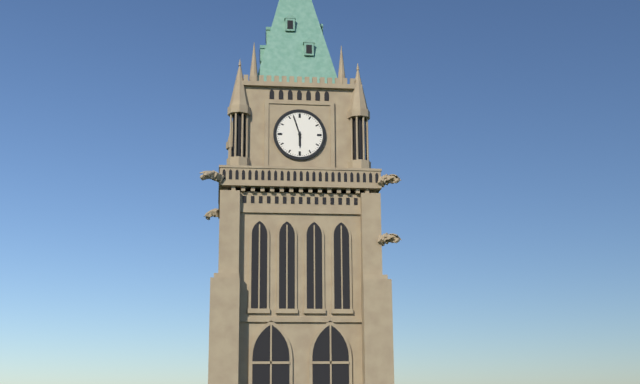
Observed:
{"hour": 5, "minute": 57}
